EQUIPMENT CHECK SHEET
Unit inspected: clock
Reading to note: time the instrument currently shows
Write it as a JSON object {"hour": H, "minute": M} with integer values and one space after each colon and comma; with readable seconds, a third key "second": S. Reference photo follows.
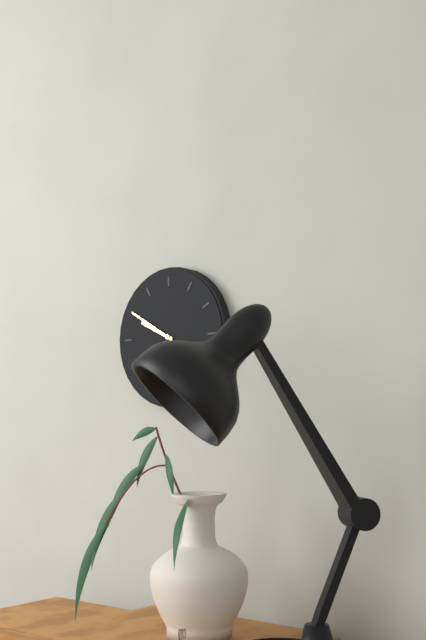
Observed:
{"hour": 9, "minute": 50}
